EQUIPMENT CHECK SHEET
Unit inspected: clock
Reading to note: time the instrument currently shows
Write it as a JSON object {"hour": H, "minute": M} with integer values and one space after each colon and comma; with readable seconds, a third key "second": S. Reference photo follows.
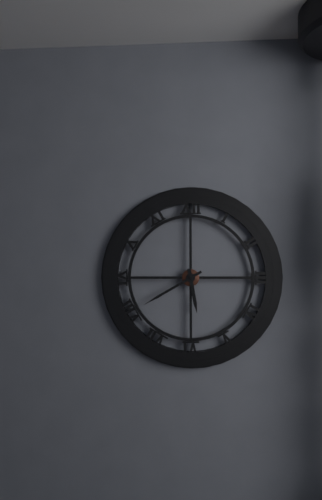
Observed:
{"hour": 5, "minute": 40}
